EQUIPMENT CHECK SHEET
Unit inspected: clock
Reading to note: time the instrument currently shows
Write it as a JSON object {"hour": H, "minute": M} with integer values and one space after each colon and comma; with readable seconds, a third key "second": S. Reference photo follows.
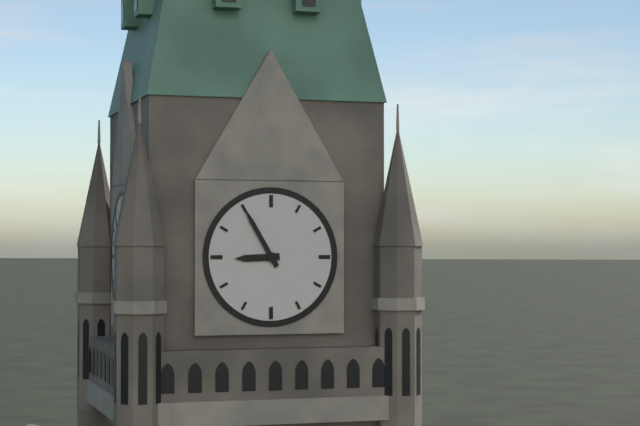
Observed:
{"hour": 8, "minute": 55}
